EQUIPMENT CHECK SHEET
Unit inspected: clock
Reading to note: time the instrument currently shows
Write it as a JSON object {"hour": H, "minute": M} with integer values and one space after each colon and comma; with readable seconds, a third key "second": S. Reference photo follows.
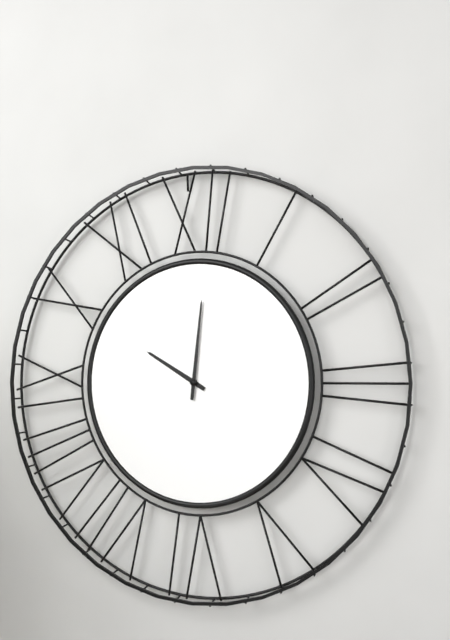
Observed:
{"hour": 10, "minute": 1}
